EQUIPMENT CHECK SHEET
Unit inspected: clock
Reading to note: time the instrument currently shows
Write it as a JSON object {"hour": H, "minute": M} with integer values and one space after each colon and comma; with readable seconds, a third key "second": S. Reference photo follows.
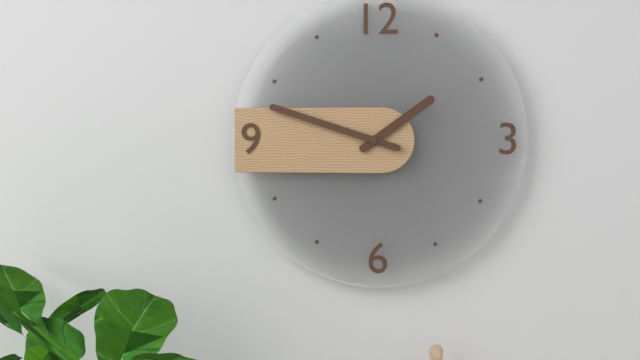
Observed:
{"hour": 1, "minute": 48}
